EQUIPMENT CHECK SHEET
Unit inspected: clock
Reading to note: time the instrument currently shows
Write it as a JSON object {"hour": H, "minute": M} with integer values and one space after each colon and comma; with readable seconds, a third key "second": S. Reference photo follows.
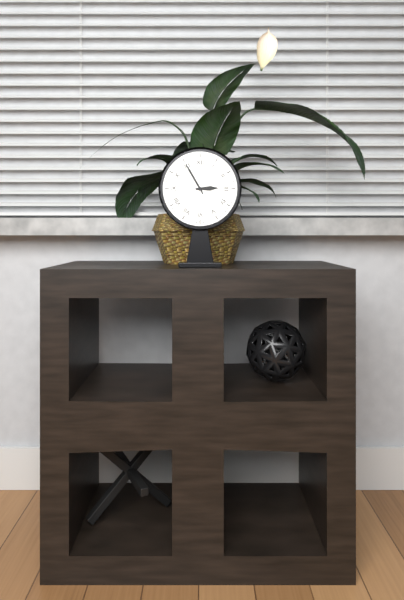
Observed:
{"hour": 2, "minute": 55}
